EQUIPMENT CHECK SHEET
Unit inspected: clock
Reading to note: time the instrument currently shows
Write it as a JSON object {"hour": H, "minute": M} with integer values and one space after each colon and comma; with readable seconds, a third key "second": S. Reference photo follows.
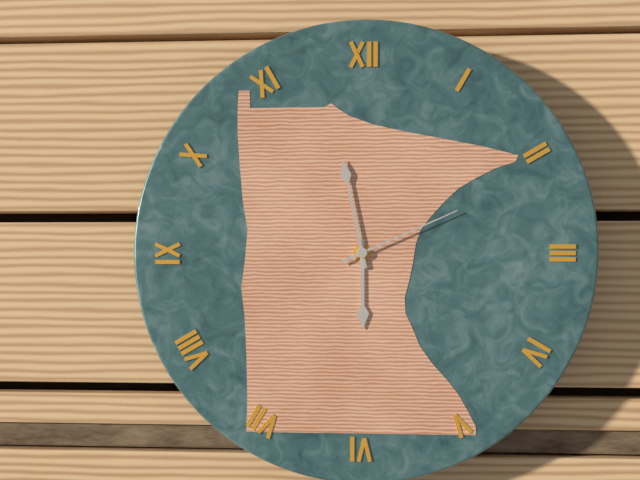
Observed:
{"hour": 5, "minute": 58, "second": 11}
